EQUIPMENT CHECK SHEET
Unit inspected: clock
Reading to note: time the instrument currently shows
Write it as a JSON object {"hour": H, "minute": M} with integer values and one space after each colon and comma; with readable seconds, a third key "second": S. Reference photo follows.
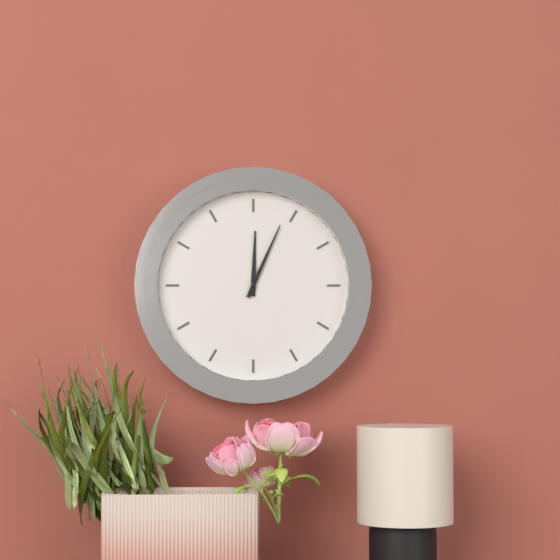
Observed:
{"hour": 12, "minute": 4}
